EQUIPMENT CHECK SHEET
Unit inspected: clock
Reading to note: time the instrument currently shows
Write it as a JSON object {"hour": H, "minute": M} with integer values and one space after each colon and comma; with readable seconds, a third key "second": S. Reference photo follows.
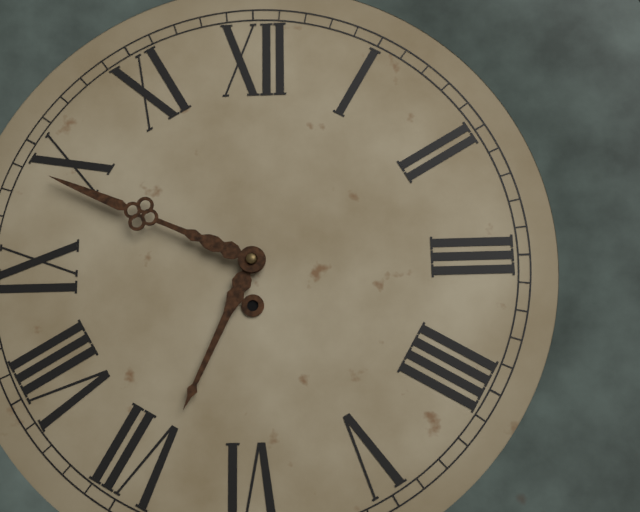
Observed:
{"hour": 6, "minute": 49}
